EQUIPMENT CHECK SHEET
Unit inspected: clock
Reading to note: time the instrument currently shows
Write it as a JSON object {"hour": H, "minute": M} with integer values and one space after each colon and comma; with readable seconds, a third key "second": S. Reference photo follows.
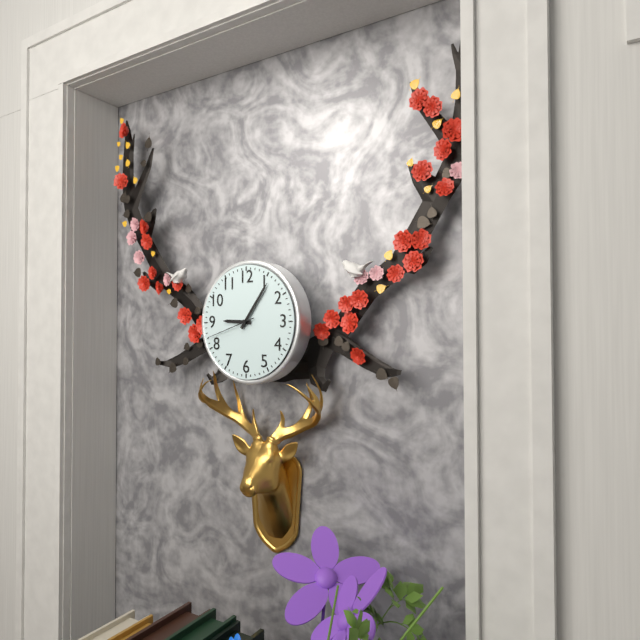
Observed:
{"hour": 9, "minute": 6}
